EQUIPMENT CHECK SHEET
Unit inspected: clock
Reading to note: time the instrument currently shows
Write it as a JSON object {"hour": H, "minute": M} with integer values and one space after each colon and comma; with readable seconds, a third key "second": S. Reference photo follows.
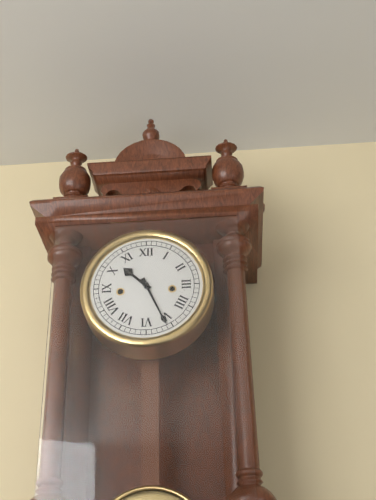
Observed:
{"hour": 10, "minute": 26}
